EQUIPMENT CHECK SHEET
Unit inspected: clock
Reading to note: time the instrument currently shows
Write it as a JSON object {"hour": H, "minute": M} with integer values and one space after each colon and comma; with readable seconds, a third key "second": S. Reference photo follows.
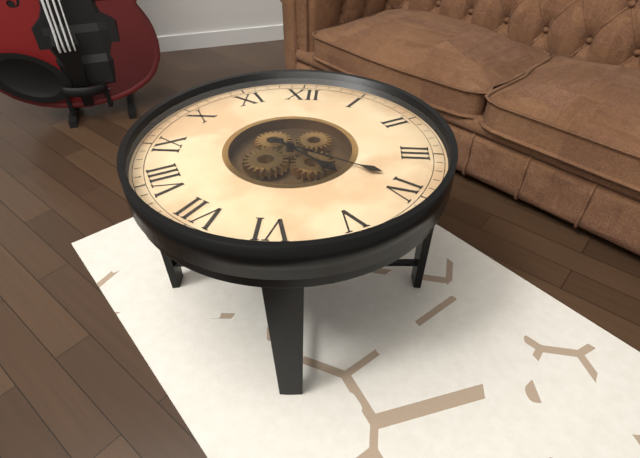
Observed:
{"hour": 4, "minute": 19}
